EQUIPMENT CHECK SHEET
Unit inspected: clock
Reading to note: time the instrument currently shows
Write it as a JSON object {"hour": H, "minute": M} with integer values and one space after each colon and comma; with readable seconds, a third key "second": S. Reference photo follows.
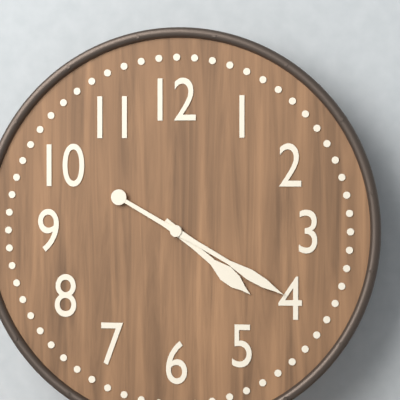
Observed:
{"hour": 4, "minute": 20}
